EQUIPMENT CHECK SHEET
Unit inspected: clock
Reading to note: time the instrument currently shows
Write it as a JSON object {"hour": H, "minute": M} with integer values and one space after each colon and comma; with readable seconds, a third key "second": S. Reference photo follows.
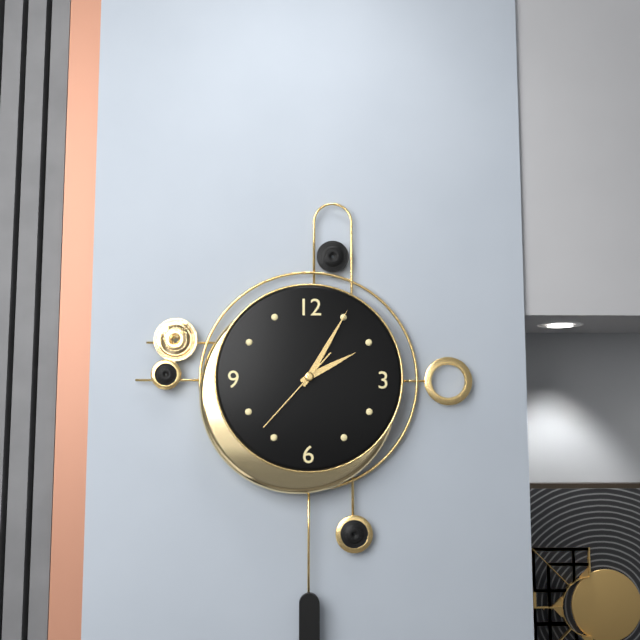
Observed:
{"hour": 2, "minute": 5, "second": 37}
